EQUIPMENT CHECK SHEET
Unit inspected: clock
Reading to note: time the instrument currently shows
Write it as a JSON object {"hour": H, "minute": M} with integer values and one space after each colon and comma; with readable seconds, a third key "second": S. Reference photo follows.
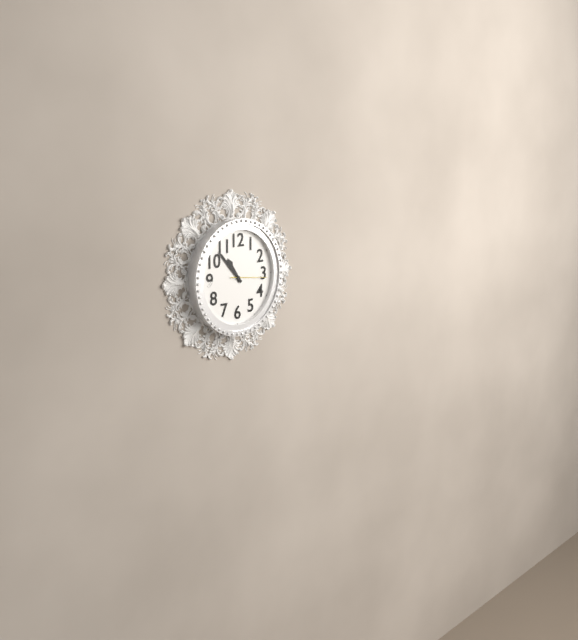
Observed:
{"hour": 10, "minute": 53}
